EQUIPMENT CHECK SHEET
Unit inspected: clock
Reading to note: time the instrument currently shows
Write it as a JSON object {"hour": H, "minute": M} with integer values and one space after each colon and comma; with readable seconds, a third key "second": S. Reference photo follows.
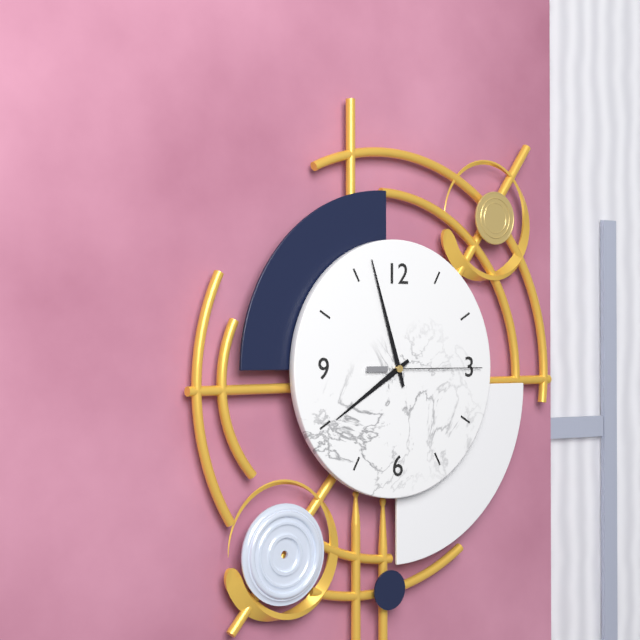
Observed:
{"hour": 7, "minute": 57, "second": 15}
